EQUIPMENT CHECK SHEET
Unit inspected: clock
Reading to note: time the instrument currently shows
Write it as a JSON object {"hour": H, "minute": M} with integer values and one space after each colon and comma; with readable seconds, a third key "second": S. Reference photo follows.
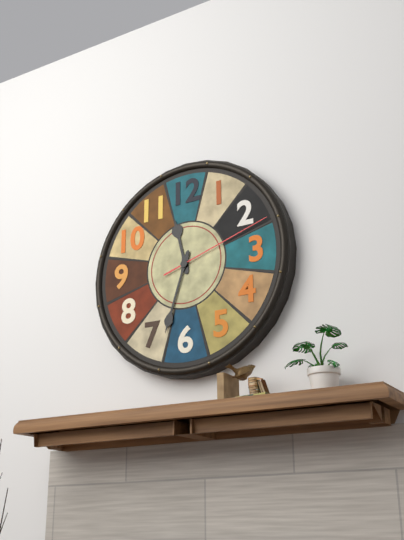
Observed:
{"hour": 11, "minute": 33, "second": 12}
